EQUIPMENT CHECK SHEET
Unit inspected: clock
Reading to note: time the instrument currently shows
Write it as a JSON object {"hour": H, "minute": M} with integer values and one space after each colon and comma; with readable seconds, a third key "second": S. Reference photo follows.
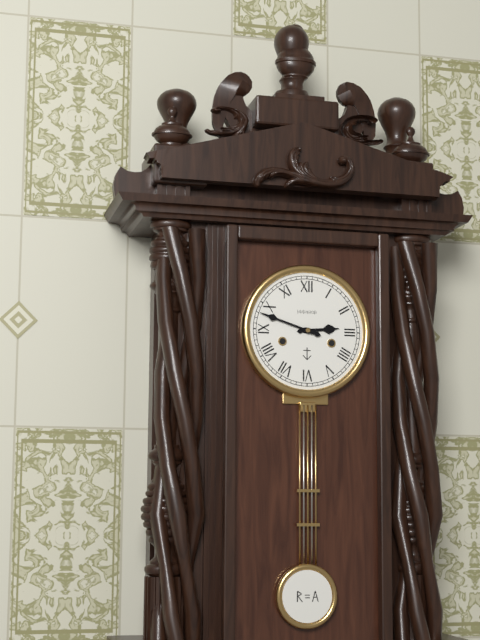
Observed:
{"hour": 2, "minute": 48}
